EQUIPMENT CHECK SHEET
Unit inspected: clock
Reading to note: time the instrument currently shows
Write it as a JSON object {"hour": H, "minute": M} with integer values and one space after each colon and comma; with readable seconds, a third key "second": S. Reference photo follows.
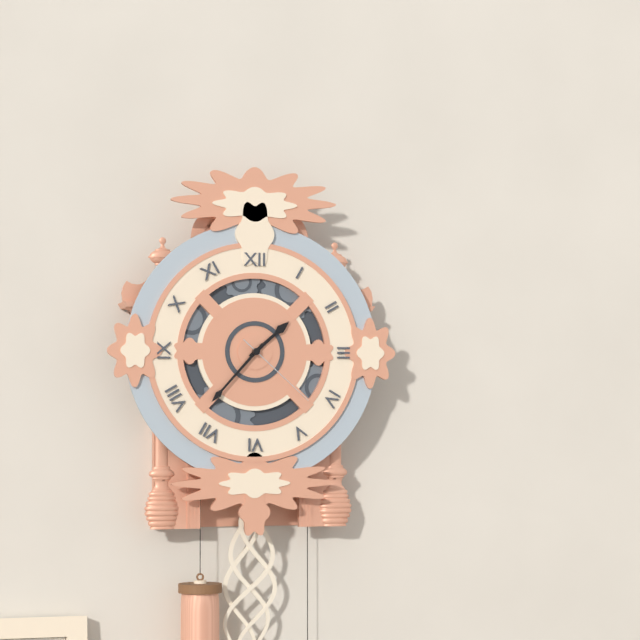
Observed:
{"hour": 1, "minute": 37, "second": 22}
